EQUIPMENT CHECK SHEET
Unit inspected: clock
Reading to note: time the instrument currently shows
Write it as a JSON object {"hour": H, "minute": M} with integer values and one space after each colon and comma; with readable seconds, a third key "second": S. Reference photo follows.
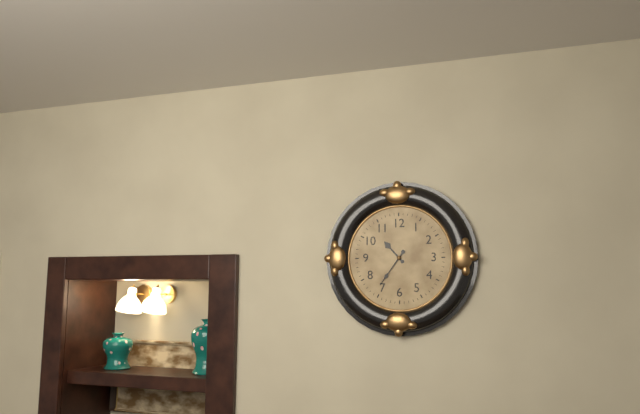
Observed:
{"hour": 10, "minute": 36}
